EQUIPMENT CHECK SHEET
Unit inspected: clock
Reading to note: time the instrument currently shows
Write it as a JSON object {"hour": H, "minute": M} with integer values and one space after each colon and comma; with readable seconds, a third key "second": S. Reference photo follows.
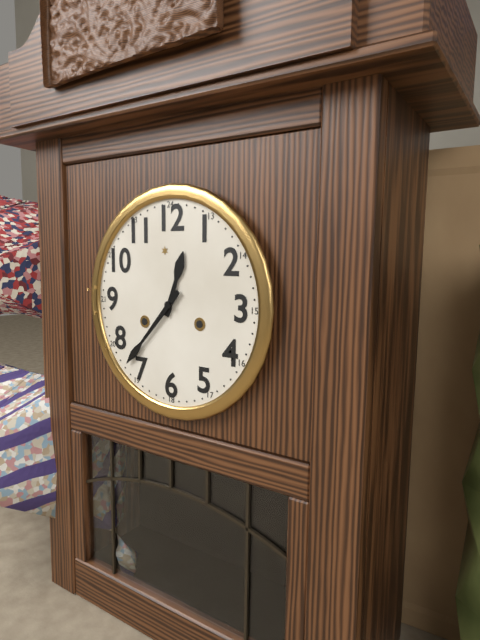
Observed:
{"hour": 12, "minute": 37}
